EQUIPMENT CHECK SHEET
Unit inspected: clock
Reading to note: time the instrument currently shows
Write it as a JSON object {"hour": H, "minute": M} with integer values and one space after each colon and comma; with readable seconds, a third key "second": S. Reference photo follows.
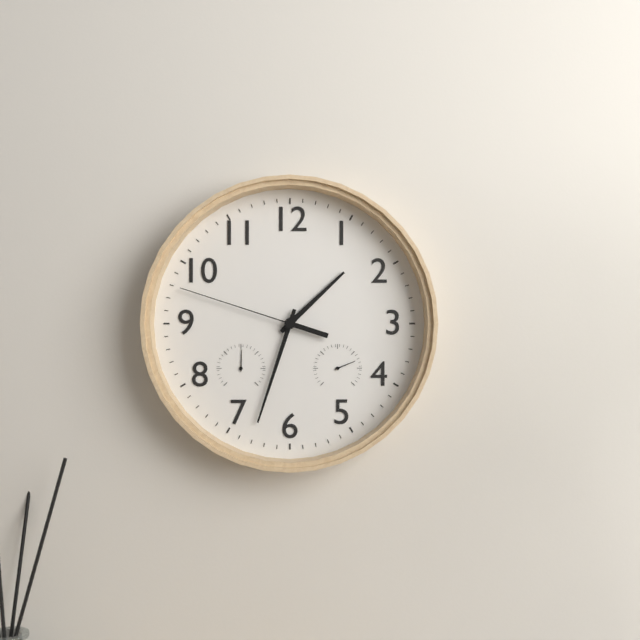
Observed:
{"hour": 1, "minute": 33, "second": 48}
